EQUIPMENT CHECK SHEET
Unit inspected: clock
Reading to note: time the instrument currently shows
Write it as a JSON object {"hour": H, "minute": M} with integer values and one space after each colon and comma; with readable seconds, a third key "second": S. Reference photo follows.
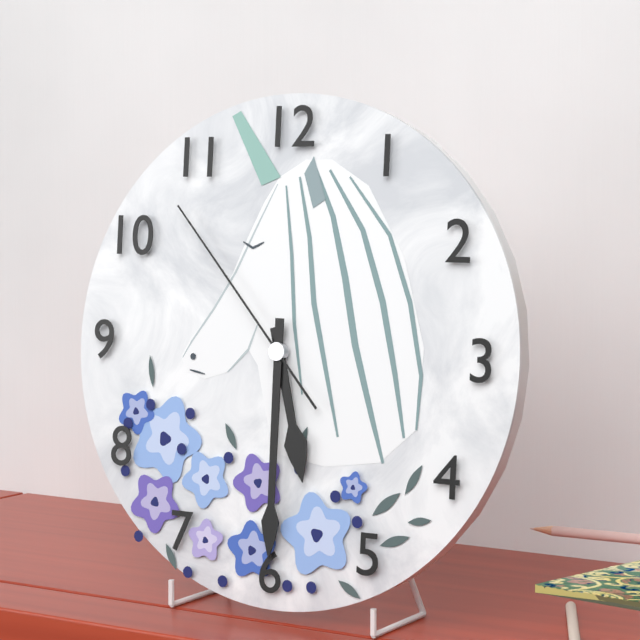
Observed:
{"hour": 5, "minute": 30, "second": 53}
